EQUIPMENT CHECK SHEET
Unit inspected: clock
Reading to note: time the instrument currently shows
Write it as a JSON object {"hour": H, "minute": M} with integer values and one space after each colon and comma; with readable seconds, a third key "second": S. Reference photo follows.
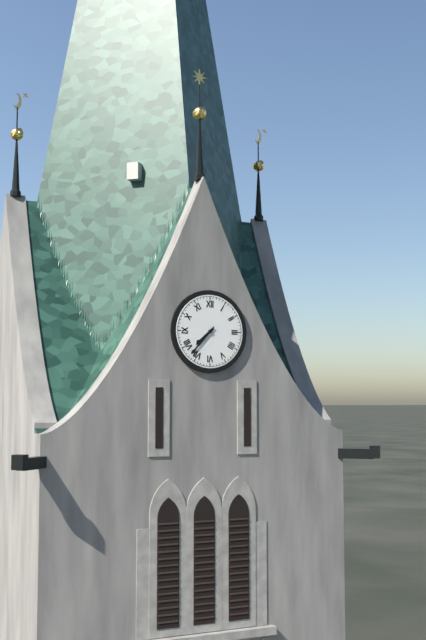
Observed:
{"hour": 7, "minute": 37}
